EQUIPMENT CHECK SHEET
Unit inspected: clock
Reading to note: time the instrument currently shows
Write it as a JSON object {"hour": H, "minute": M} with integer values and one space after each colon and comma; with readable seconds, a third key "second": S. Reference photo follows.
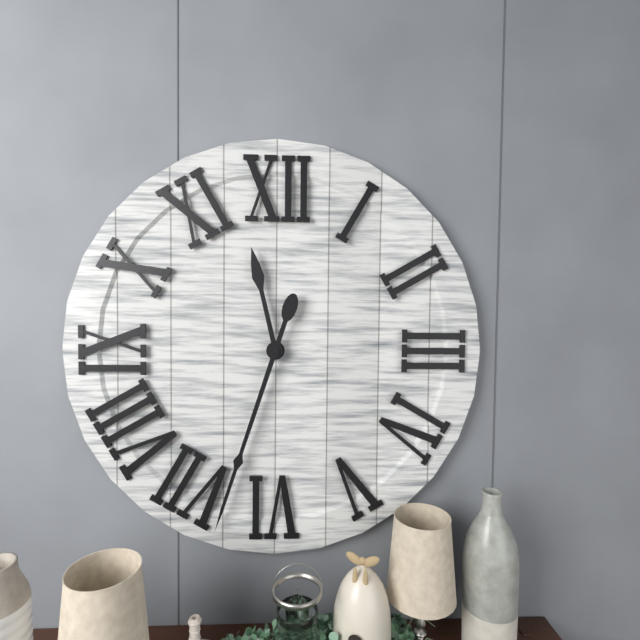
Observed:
{"hour": 11, "minute": 33}
